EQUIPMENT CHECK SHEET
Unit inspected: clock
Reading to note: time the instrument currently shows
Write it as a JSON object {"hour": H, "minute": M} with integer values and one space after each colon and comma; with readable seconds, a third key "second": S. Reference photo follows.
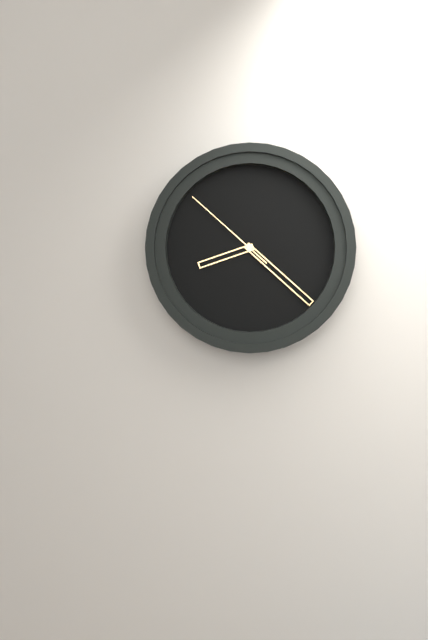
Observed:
{"hour": 8, "minute": 22, "second": 52}
